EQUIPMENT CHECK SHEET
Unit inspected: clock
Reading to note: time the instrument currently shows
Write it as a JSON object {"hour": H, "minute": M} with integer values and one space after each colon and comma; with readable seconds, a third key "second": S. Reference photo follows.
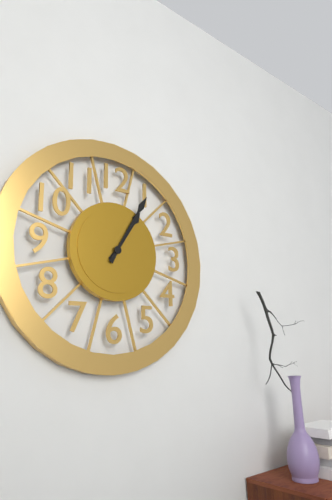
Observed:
{"hour": 1, "minute": 5}
